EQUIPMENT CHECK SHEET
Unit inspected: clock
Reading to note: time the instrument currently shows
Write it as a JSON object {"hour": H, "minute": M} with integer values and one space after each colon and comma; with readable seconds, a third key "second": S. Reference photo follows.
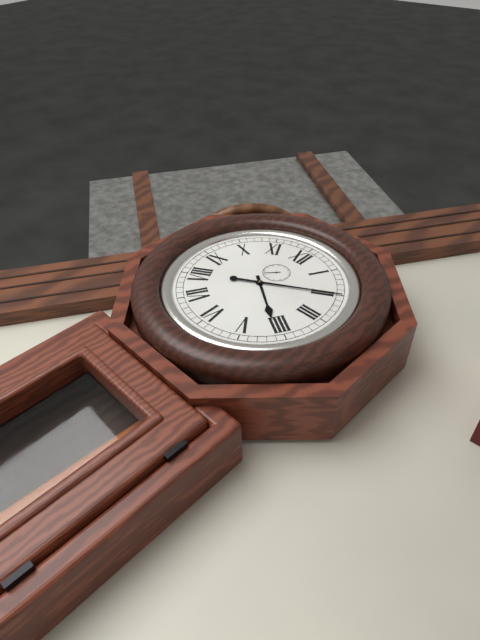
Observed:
{"hour": 4, "minute": 10}
